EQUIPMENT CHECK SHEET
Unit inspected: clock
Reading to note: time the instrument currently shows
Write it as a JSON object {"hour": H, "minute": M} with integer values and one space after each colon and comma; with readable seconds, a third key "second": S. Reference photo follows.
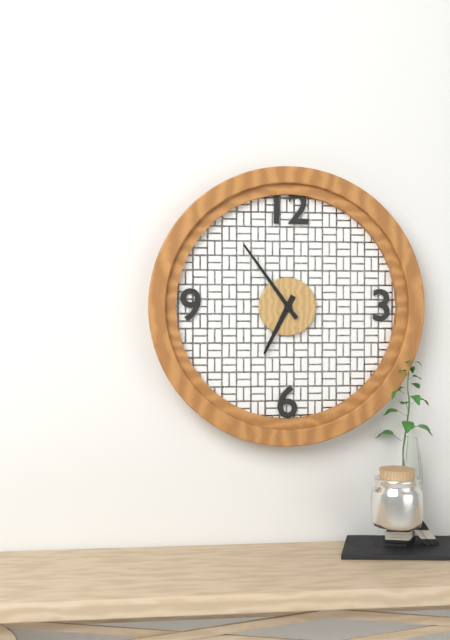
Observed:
{"hour": 6, "minute": 54}
